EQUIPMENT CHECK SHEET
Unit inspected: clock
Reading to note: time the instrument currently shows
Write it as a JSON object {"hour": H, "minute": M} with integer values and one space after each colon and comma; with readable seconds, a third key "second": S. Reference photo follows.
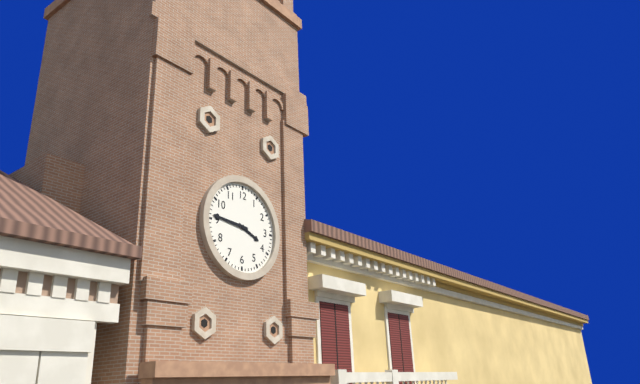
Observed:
{"hour": 3, "minute": 46}
